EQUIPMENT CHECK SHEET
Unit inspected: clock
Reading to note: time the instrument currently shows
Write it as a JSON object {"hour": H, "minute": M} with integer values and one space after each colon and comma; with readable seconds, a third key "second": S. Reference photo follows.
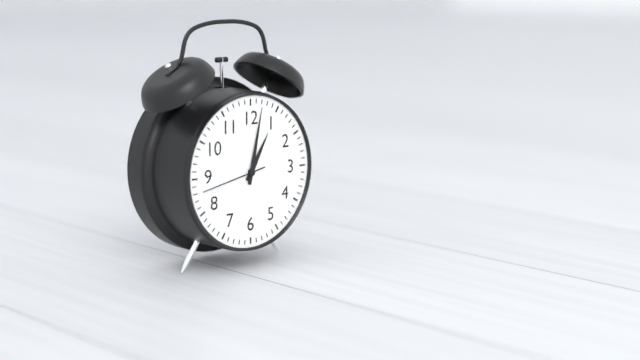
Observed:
{"hour": 1, "minute": 2, "second": 43}
